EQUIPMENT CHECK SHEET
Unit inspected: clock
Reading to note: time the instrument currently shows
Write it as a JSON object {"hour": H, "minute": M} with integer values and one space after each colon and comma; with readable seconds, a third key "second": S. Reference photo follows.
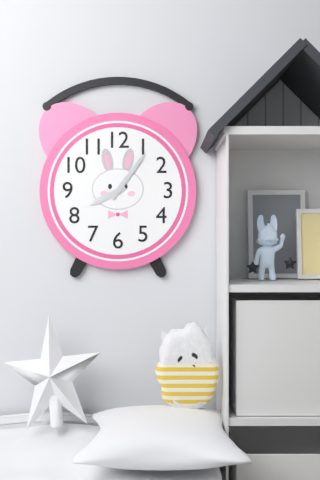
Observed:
{"hour": 8, "minute": 6}
